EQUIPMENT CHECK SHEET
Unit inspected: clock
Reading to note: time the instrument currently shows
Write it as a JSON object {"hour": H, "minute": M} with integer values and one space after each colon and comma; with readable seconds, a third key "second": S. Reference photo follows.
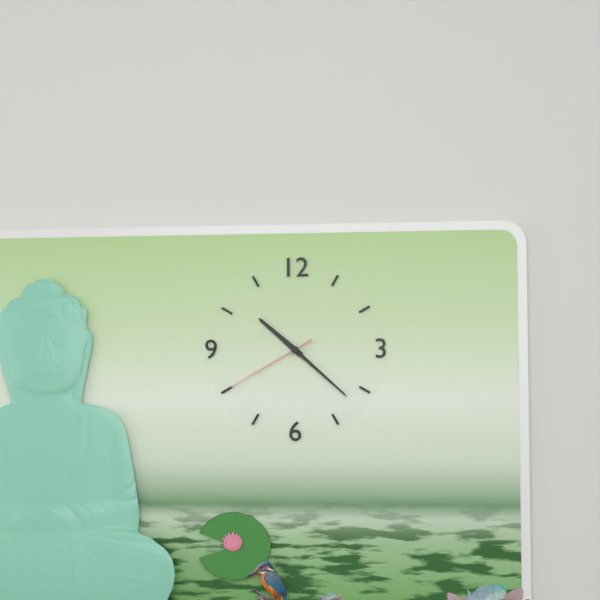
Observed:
{"hour": 10, "minute": 22, "second": 40}
